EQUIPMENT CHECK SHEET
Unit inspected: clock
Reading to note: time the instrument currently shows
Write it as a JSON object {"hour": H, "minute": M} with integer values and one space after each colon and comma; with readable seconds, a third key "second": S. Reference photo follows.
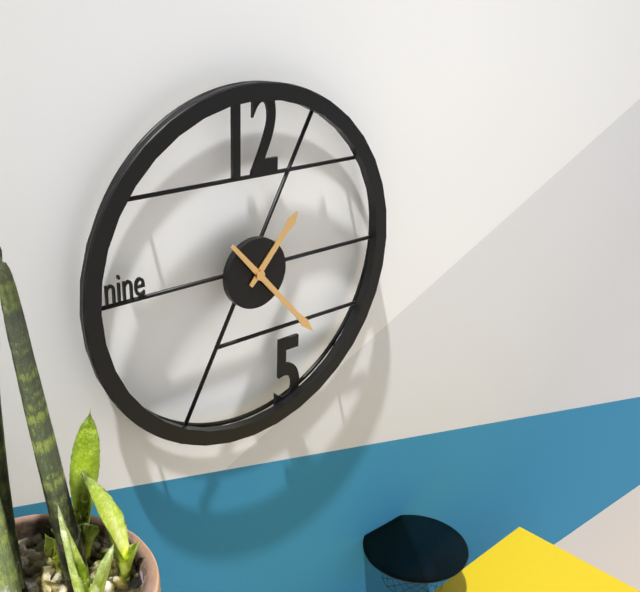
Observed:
{"hour": 1, "minute": 23}
